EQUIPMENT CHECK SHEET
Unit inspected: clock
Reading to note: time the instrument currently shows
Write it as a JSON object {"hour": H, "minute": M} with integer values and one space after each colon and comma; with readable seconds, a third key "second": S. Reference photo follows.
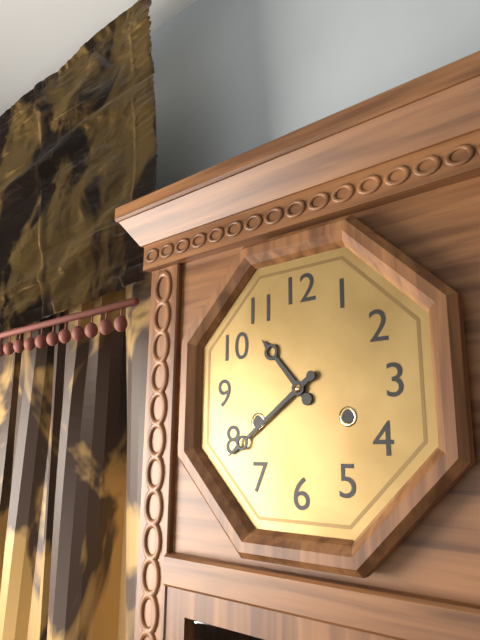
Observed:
{"hour": 10, "minute": 39}
